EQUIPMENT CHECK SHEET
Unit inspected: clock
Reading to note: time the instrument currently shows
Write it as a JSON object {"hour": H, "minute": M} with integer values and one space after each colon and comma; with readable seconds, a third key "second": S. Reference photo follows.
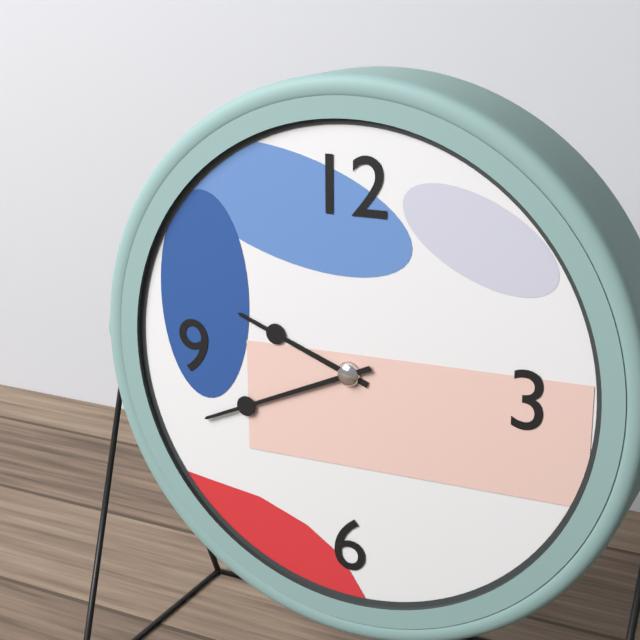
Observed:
{"hour": 9, "minute": 41}
